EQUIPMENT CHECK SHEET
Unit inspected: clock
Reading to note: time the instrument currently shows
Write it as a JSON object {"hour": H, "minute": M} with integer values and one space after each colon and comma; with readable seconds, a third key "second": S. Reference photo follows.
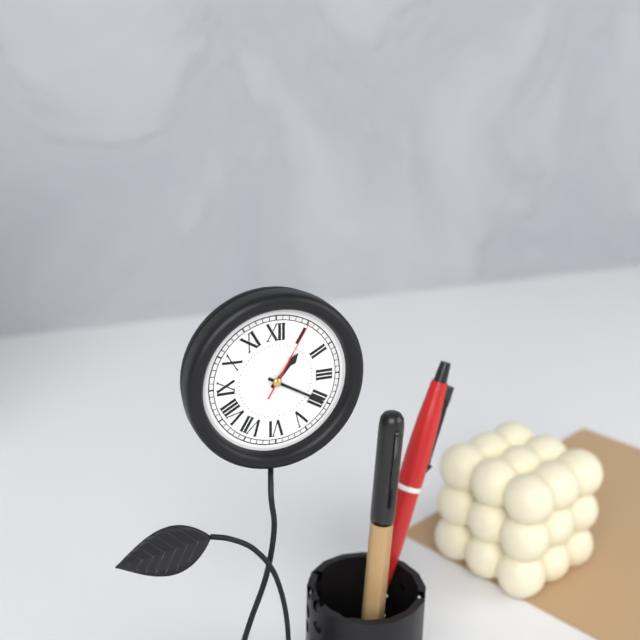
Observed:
{"hour": 1, "minute": 20, "second": 5}
